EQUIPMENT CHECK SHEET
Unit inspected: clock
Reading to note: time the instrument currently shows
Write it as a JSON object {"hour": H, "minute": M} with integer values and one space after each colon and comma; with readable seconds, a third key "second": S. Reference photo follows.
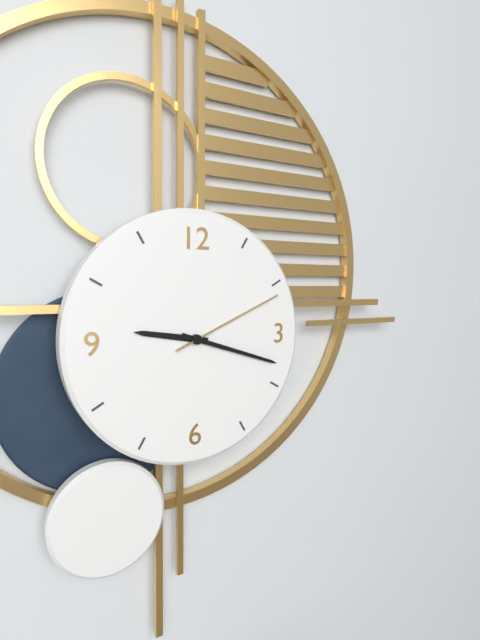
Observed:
{"hour": 9, "minute": 18, "second": 11}
